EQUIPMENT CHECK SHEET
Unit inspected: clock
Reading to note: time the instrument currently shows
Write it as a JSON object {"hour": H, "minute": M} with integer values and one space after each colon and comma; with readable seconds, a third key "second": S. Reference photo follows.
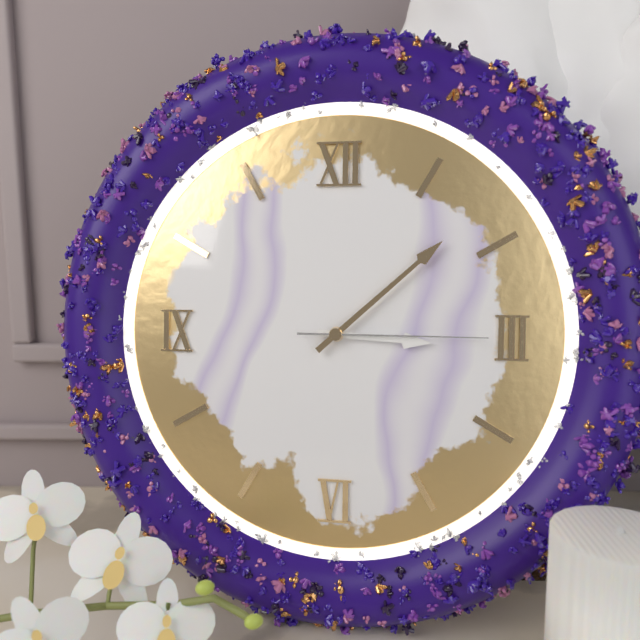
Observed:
{"hour": 3, "minute": 8, "second": 15}
